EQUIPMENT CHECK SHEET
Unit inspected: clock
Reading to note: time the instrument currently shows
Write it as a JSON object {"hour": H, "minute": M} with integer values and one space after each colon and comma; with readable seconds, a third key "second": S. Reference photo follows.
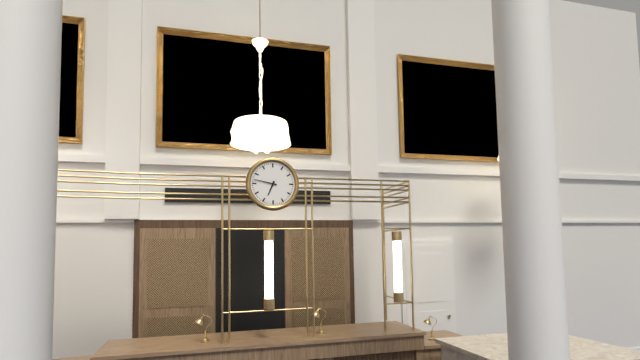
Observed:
{"hour": 6, "minute": 47}
